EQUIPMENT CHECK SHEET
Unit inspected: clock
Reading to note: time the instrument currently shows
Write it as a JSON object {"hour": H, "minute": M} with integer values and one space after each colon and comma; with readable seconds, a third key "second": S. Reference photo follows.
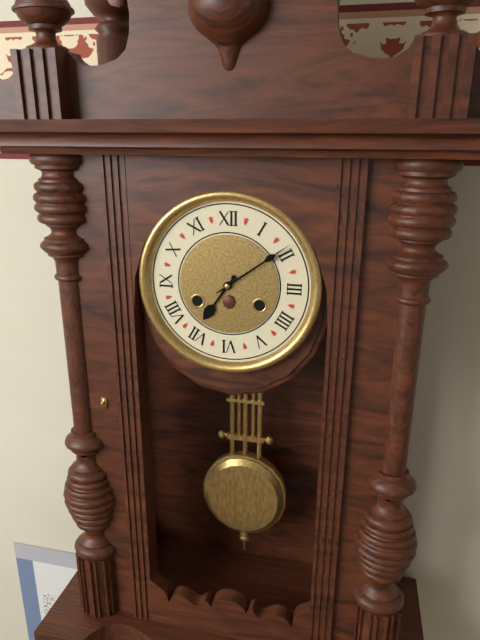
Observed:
{"hour": 7, "minute": 9}
